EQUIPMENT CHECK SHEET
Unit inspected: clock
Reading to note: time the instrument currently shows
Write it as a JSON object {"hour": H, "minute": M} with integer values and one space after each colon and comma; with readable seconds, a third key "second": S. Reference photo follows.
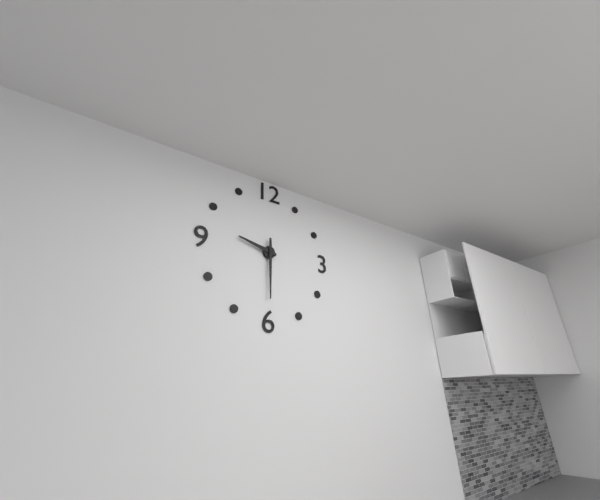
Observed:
{"hour": 9, "minute": 30}
